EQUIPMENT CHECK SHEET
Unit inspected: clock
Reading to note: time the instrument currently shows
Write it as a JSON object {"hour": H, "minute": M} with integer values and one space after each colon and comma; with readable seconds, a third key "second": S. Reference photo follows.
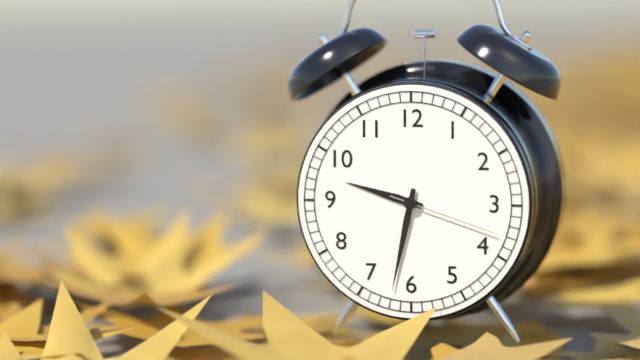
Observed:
{"hour": 9, "minute": 32, "second": 18}
